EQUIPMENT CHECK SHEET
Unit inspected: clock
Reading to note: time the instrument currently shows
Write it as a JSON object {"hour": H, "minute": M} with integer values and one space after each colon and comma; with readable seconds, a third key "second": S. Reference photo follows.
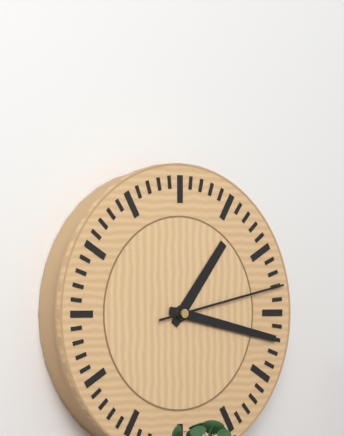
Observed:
{"hour": 1, "minute": 17, "second": 13}
